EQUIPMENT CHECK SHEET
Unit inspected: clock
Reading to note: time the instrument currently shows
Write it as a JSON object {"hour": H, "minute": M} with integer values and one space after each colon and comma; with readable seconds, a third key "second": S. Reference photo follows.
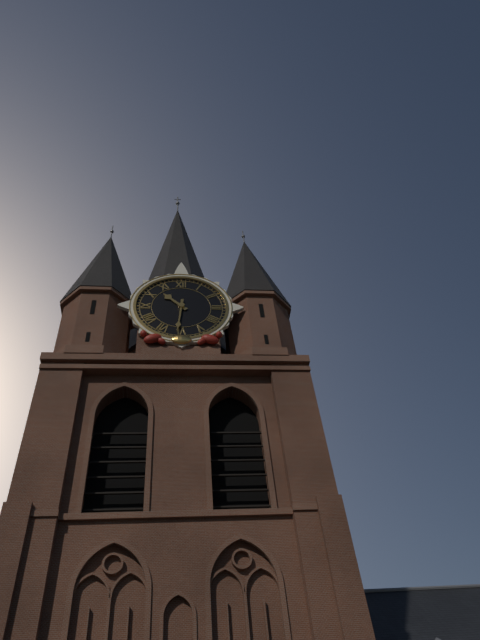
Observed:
{"hour": 10, "minute": 31}
